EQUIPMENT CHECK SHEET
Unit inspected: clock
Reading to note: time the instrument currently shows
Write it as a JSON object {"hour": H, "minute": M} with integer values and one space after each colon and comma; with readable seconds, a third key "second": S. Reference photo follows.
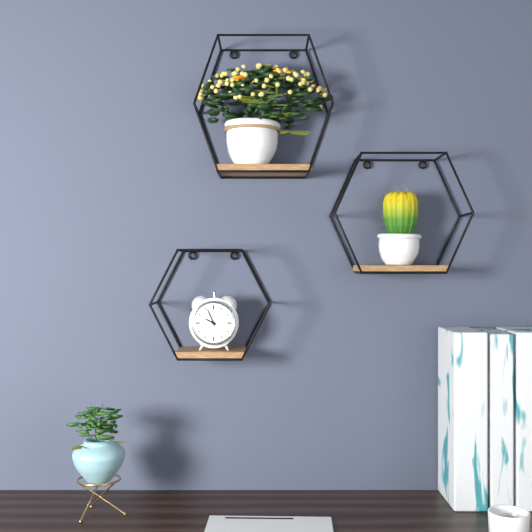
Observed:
{"hour": 9, "minute": 56}
